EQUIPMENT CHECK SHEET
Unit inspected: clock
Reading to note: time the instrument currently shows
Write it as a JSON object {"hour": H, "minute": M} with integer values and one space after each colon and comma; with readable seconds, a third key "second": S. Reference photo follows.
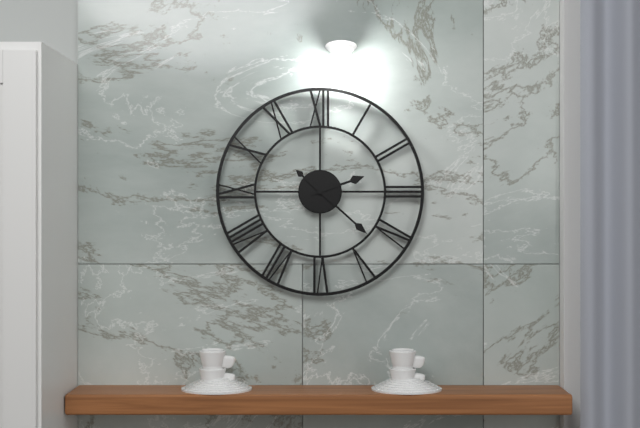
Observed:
{"hour": 2, "minute": 22}
